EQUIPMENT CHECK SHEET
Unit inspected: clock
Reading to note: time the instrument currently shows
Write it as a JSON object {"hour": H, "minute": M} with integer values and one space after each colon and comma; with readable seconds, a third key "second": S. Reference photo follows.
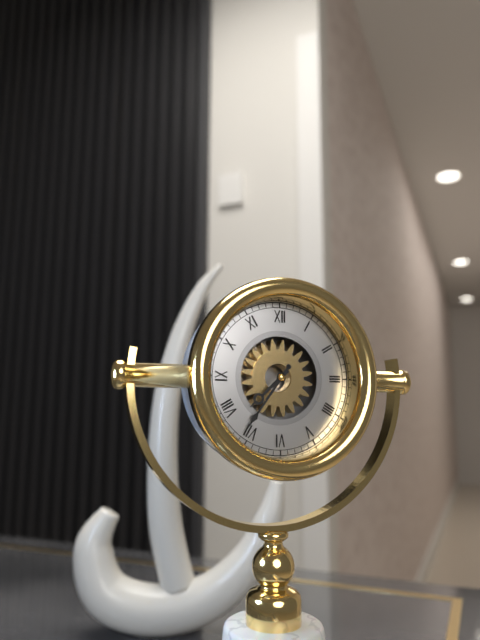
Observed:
{"hour": 7, "minute": 36}
